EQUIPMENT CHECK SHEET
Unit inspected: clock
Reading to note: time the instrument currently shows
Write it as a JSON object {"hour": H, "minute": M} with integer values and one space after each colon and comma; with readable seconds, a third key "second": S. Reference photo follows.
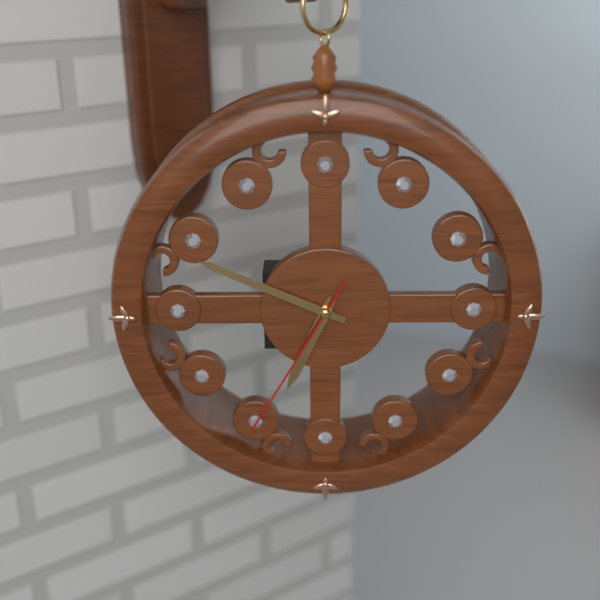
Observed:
{"hour": 6, "minute": 49, "second": 35}
